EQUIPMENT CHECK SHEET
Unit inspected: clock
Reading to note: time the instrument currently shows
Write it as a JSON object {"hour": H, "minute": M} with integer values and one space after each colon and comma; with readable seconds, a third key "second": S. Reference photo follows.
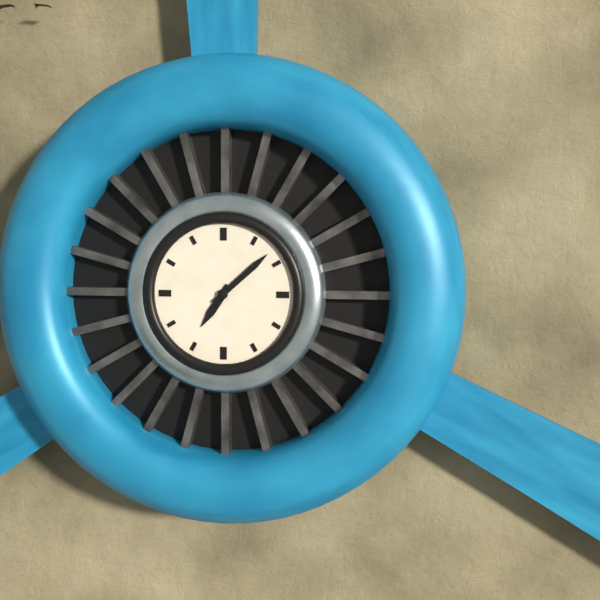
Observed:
{"hour": 7, "minute": 8}
